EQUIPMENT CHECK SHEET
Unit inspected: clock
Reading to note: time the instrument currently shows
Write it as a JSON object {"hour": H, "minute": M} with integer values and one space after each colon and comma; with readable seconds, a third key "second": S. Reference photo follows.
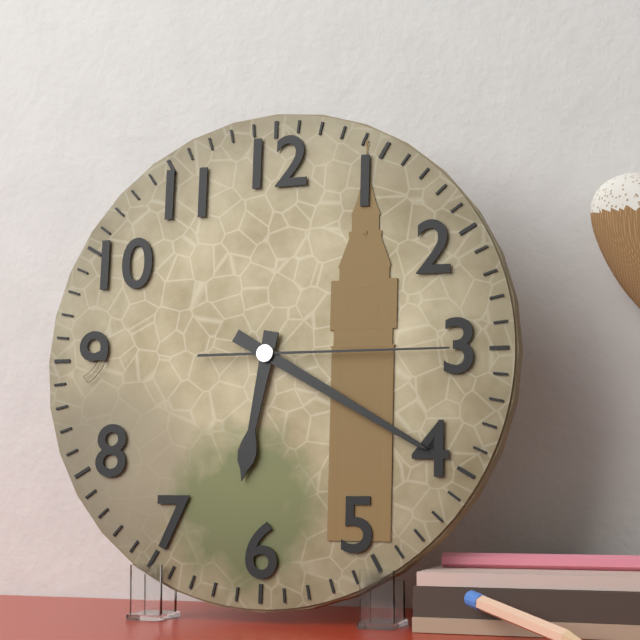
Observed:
{"hour": 6, "minute": 20, "second": 15}
